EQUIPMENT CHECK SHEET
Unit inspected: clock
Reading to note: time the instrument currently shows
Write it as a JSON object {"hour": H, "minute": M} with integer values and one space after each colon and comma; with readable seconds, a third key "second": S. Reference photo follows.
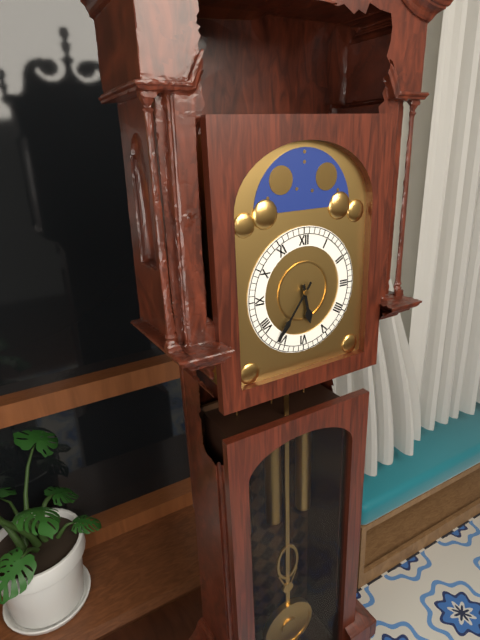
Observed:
{"hour": 5, "minute": 36}
